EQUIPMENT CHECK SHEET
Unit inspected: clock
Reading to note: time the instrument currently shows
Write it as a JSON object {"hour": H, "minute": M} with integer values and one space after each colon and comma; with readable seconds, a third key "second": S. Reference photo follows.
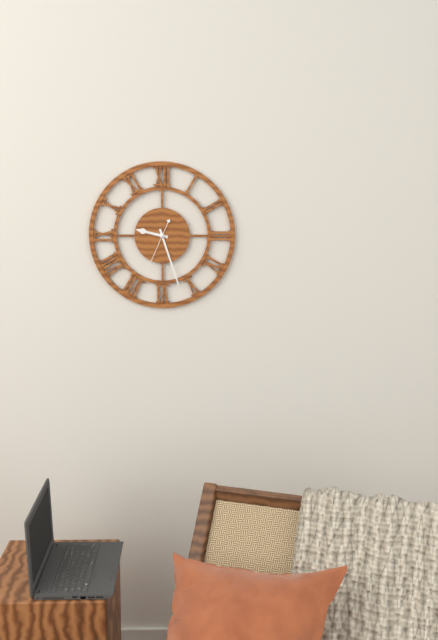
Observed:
{"hour": 9, "minute": 27}
